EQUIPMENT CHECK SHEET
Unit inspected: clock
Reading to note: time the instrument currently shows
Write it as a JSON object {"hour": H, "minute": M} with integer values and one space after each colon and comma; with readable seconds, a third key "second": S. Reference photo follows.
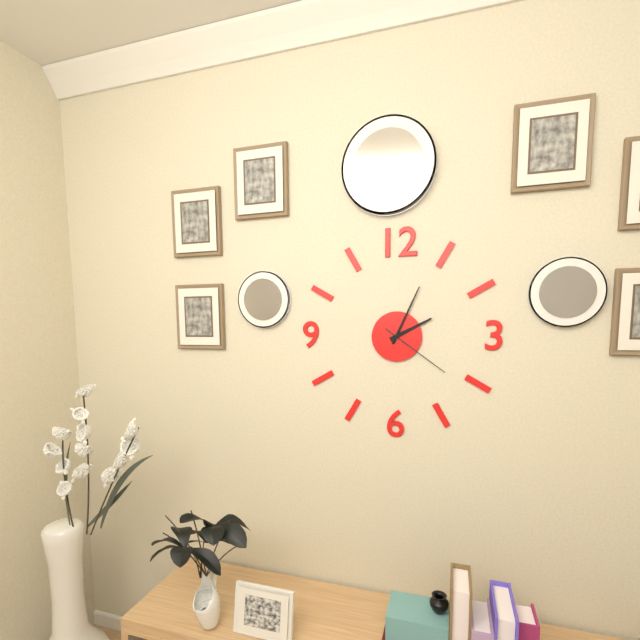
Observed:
{"hour": 2, "minute": 4, "second": 21}
